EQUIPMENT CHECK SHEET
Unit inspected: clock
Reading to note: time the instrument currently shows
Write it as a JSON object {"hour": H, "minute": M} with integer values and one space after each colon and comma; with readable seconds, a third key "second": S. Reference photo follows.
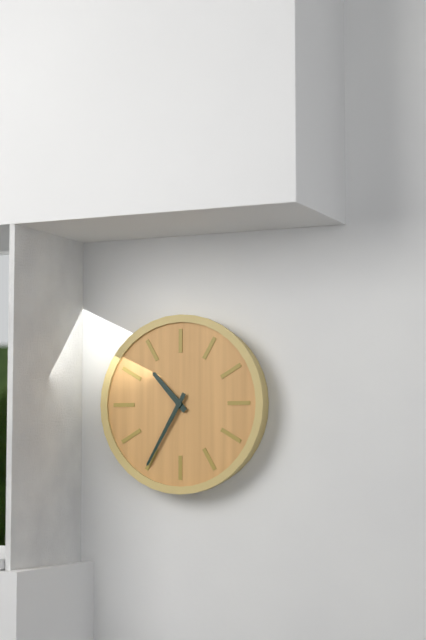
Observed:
{"hour": 10, "minute": 35}
